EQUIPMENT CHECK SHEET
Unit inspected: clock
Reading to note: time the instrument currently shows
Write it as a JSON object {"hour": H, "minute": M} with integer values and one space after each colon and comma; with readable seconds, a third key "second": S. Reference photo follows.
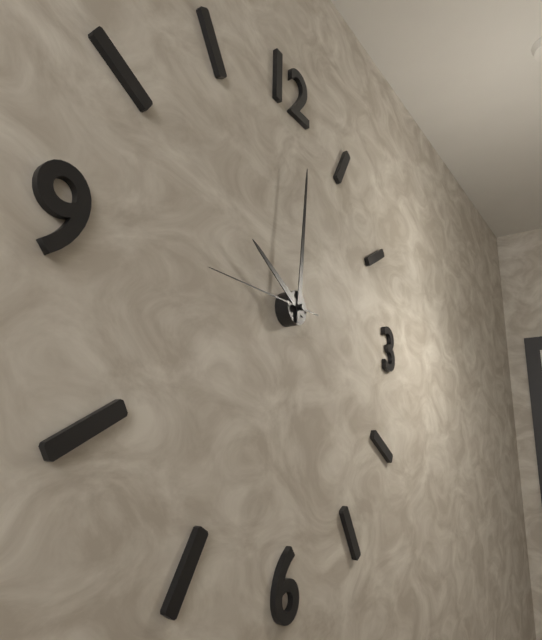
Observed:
{"hour": 10, "minute": 1, "second": 45}
